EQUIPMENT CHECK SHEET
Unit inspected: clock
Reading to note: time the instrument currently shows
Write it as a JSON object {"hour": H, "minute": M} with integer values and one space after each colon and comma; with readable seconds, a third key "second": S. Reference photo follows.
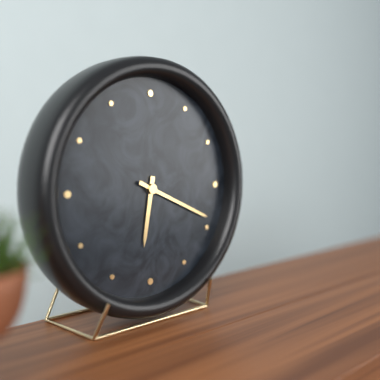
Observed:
{"hour": 6, "minute": 19}
